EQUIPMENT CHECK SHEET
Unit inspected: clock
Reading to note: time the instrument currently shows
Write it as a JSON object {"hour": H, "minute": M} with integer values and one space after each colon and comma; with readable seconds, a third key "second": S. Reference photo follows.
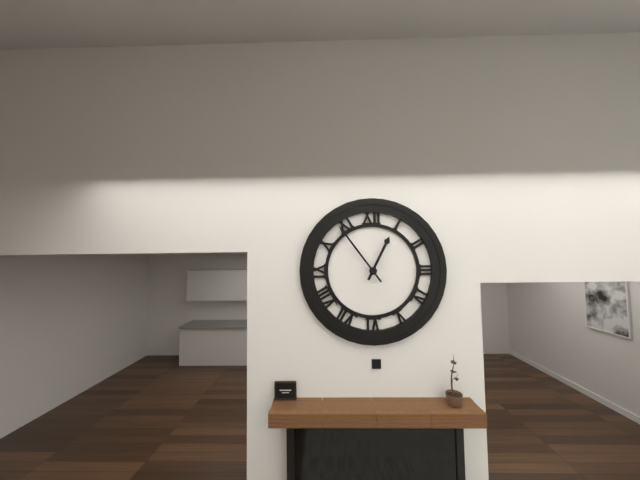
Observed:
{"hour": 12, "minute": 54}
